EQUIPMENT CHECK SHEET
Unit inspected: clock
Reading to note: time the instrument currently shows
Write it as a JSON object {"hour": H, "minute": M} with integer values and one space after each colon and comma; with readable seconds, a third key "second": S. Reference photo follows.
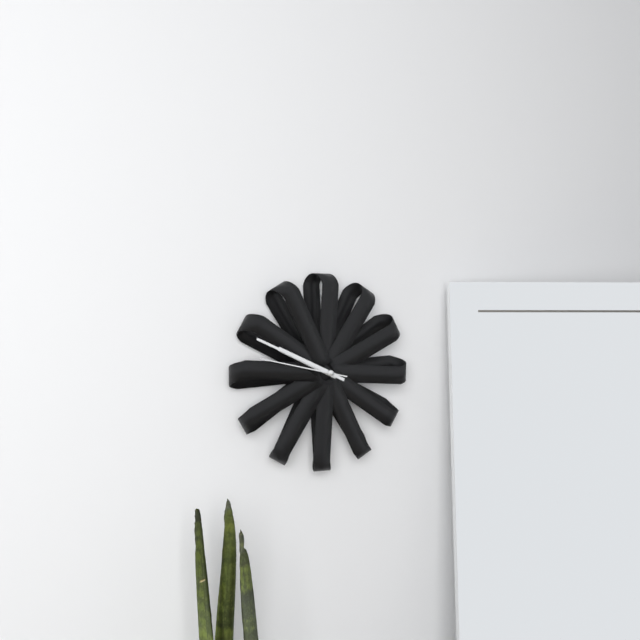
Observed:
{"hour": 9, "minute": 49, "second": 47}
